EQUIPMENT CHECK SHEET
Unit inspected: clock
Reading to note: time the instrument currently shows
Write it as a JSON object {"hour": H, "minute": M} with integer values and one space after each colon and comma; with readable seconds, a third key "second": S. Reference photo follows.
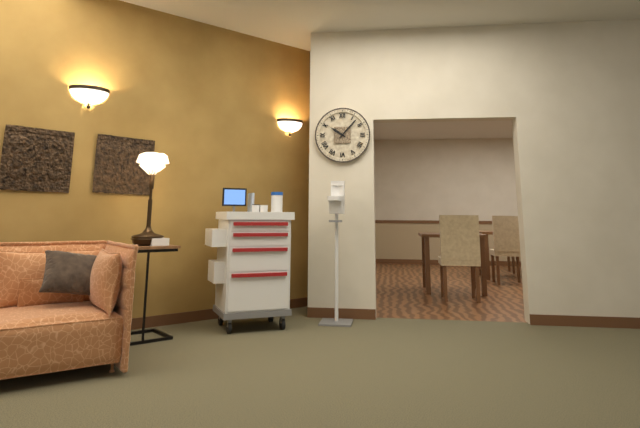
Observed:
{"hour": 10, "minute": 7}
